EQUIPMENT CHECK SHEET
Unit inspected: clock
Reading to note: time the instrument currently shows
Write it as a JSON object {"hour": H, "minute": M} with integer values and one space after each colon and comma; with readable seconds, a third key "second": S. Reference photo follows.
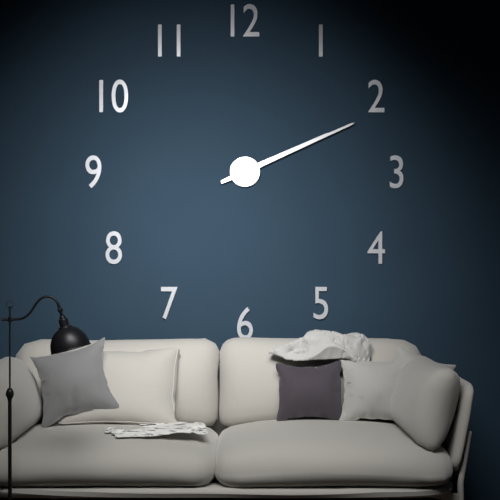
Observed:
{"hour": 2, "minute": 11}
